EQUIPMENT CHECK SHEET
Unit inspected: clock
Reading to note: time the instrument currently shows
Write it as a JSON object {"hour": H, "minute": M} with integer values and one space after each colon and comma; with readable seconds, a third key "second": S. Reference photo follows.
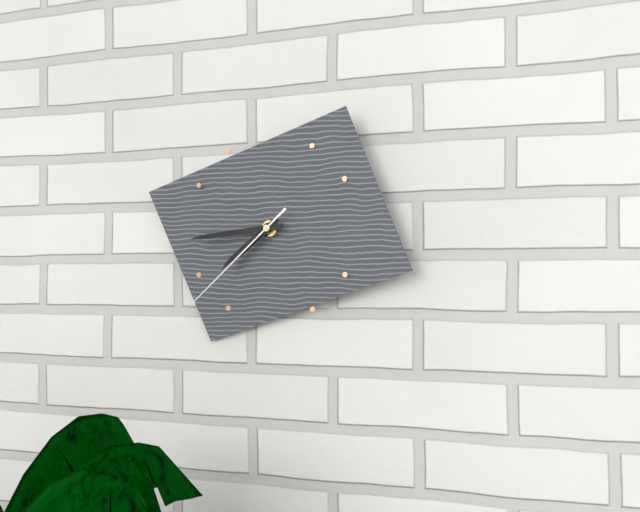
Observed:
{"hour": 7, "minute": 44, "second": 38}
